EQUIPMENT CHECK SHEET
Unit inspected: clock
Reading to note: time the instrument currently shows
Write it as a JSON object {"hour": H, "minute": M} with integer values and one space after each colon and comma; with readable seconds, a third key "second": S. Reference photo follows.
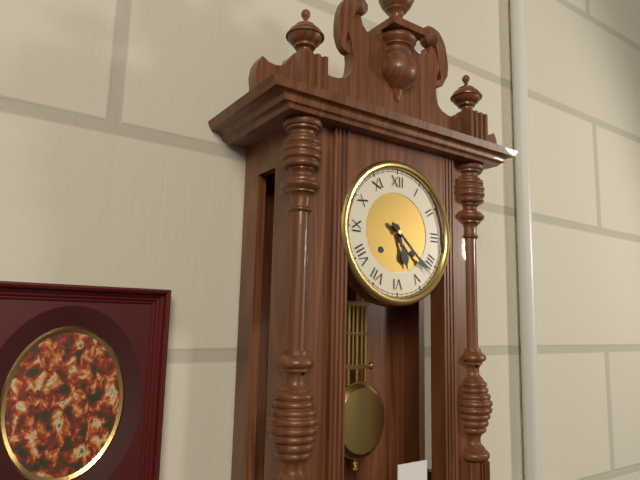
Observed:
{"hour": 5, "minute": 22}
